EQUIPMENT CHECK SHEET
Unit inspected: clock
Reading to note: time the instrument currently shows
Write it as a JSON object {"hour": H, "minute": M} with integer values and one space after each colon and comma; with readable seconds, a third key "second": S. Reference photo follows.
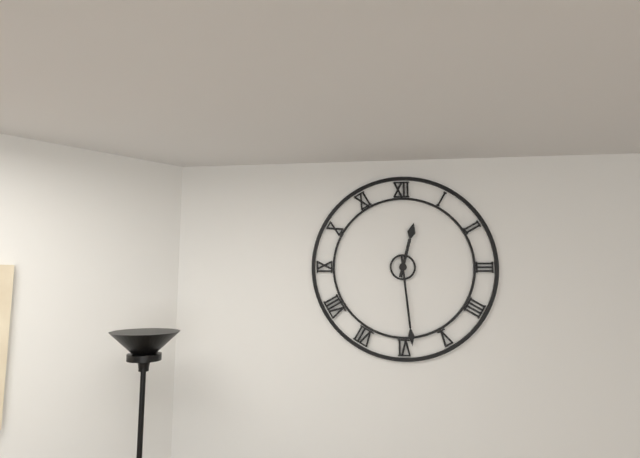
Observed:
{"hour": 12, "minute": 29}
